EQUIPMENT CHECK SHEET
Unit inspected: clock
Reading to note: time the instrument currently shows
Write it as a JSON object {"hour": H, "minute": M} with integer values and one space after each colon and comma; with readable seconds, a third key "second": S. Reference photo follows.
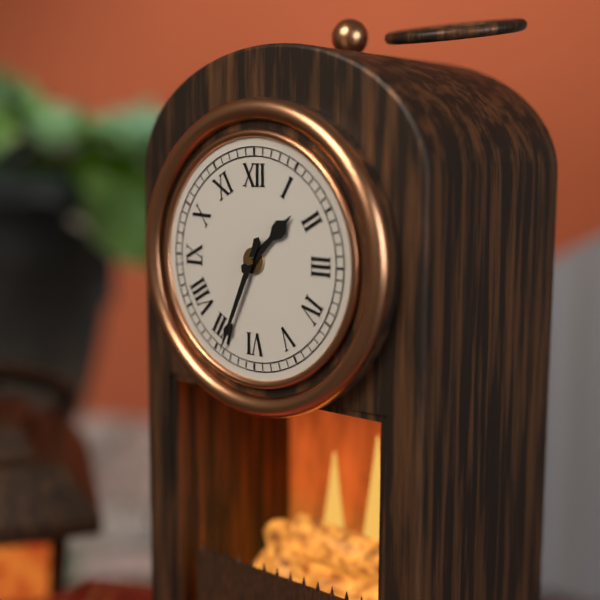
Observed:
{"hour": 1, "minute": 34}
